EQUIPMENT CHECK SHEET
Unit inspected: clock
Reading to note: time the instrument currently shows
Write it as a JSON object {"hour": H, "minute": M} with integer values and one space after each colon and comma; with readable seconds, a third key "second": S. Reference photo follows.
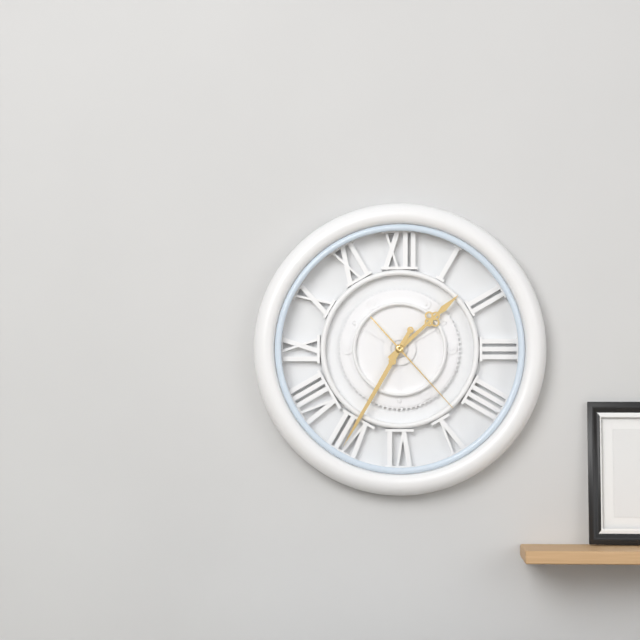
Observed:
{"hour": 1, "minute": 35, "second": 23}
